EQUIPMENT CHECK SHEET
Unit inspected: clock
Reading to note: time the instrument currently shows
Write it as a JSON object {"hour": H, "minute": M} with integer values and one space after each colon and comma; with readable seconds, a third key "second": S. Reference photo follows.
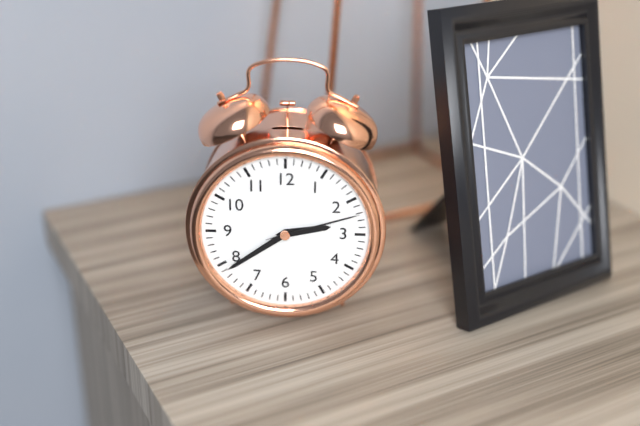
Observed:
{"hour": 2, "minute": 39, "second": 12}
